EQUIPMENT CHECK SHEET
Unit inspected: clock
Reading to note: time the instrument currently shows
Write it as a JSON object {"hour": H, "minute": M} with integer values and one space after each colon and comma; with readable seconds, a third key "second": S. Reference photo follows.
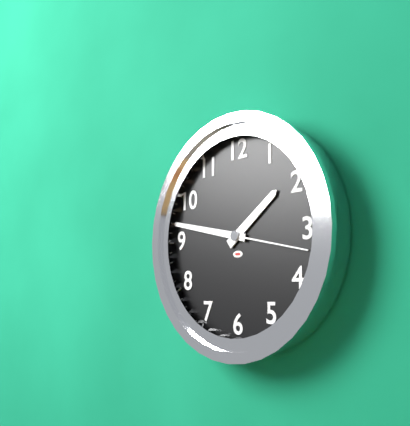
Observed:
{"hour": 1, "minute": 47, "second": 17}
